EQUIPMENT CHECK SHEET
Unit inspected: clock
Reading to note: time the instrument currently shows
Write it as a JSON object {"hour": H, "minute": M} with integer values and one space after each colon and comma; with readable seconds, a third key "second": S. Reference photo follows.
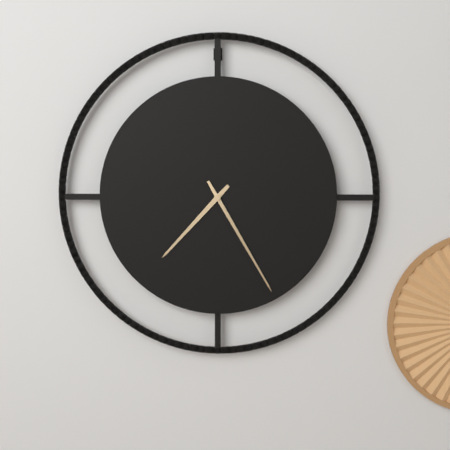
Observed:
{"hour": 7, "minute": 25}
